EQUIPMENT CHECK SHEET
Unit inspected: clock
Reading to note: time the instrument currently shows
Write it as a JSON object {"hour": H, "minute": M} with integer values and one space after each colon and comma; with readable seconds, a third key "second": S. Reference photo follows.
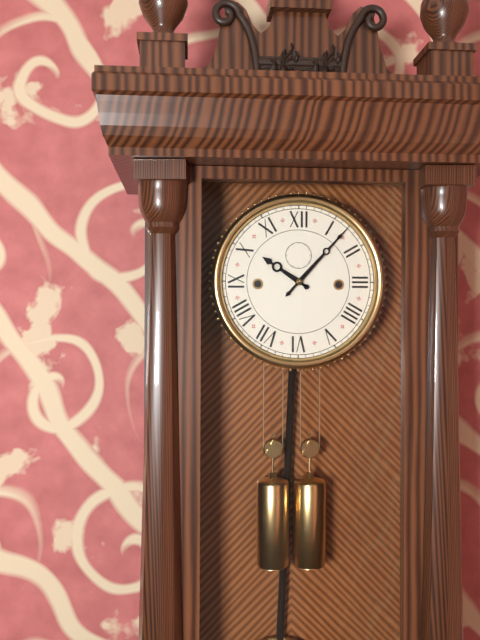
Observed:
{"hour": 10, "minute": 7}
